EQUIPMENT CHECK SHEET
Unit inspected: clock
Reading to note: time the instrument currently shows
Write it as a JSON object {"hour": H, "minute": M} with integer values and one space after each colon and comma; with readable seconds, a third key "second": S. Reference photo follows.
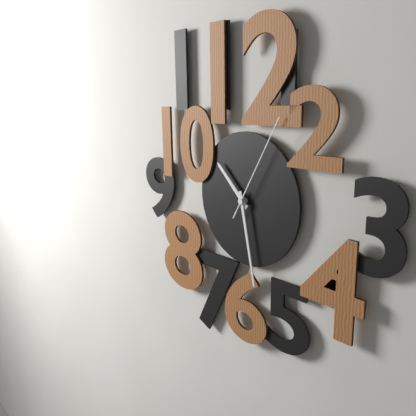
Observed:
{"hour": 10, "minute": 28, "second": 5}
